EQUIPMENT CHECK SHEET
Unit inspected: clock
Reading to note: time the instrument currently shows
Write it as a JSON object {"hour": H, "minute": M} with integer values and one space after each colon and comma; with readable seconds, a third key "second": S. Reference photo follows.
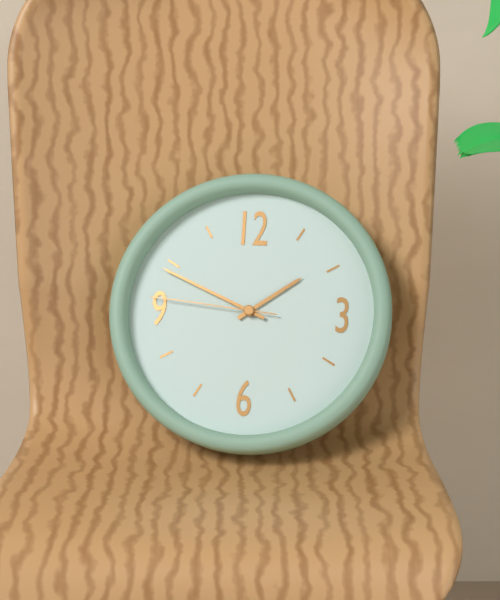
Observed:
{"hour": 1, "minute": 49, "second": 46}
